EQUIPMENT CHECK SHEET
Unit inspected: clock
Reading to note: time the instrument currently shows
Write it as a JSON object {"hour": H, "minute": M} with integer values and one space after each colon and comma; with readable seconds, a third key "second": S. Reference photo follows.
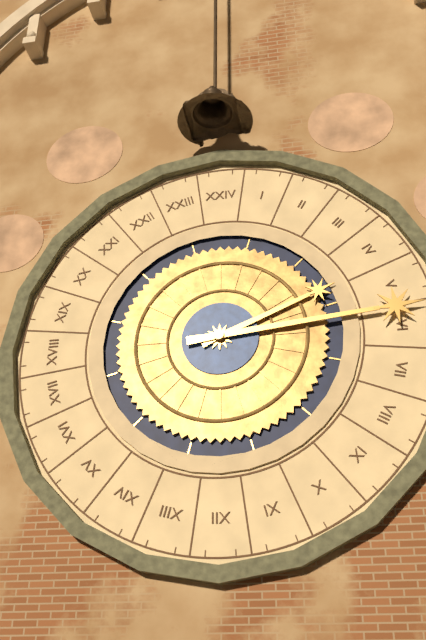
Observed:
{"hour": 2, "minute": 14}
